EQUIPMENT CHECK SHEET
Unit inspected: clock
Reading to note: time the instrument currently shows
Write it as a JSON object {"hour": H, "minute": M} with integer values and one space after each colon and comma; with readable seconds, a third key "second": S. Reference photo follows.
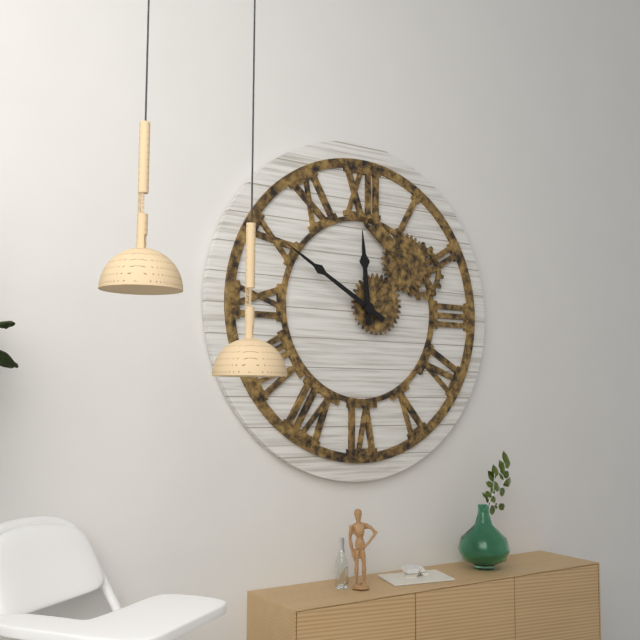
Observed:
{"hour": 11, "minute": 50}
